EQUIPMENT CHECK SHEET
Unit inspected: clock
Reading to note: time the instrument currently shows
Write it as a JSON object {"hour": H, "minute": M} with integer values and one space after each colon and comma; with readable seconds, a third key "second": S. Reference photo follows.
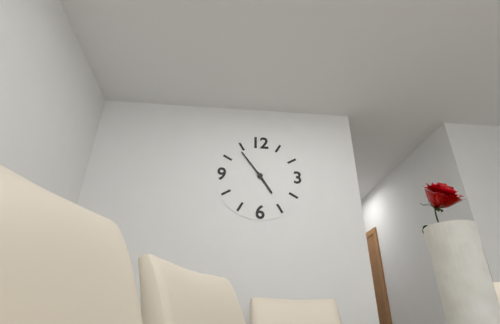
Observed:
{"hour": 4, "minute": 54}
